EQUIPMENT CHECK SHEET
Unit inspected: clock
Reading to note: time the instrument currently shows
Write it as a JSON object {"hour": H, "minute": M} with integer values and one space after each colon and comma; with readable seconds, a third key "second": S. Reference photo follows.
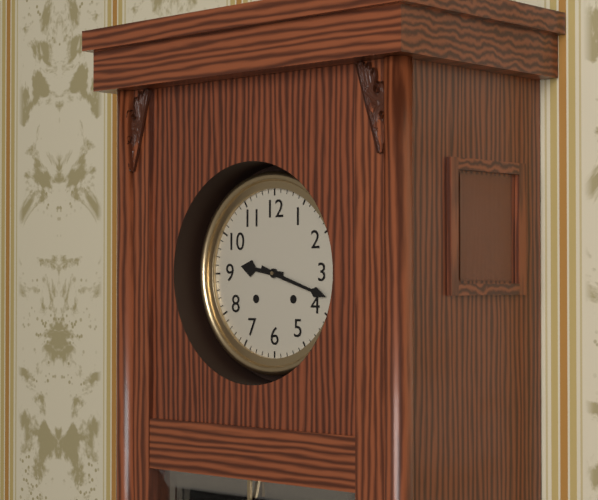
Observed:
{"hour": 9, "minute": 18}
